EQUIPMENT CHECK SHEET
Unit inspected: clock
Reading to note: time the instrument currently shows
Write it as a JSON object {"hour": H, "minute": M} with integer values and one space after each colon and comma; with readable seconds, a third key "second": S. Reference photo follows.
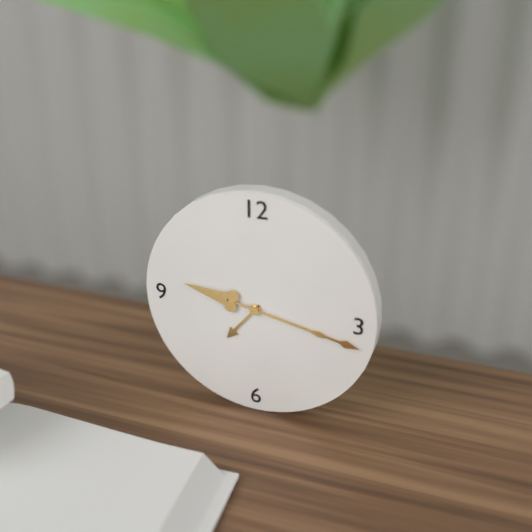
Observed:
{"hour": 7, "minute": 17}
